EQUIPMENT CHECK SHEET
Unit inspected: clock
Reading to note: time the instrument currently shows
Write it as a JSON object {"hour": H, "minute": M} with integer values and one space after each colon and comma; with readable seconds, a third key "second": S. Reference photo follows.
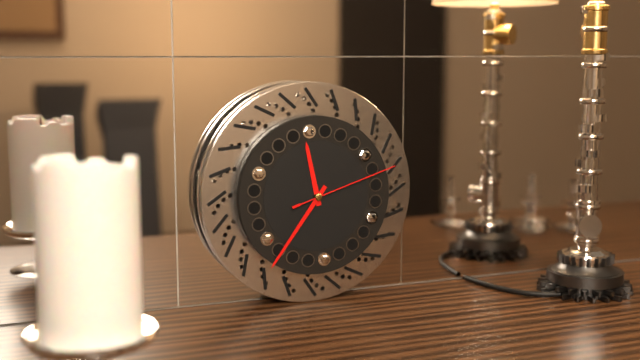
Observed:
{"hour": 11, "minute": 36, "second": 12}
